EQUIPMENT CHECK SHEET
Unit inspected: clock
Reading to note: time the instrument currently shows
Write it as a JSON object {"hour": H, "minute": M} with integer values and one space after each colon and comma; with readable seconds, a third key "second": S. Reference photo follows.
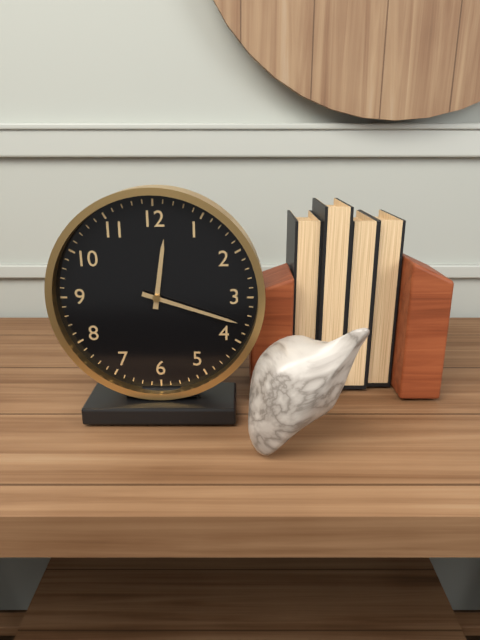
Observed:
{"hour": 12, "minute": 18}
